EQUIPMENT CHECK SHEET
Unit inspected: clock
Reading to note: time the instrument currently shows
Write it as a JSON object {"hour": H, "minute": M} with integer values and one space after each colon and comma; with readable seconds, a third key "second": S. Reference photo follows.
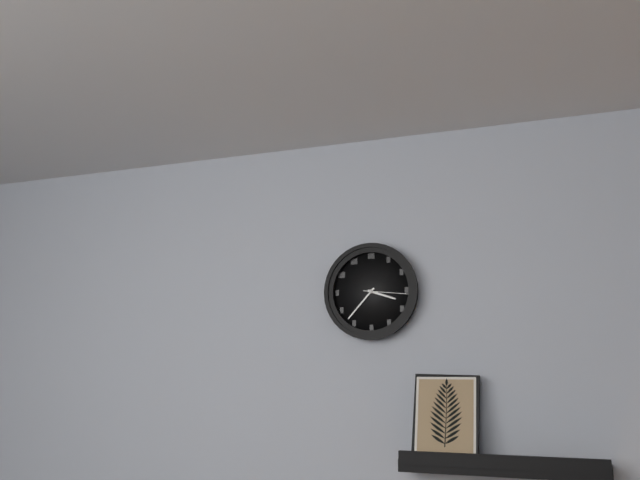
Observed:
{"hour": 3, "minute": 37}
